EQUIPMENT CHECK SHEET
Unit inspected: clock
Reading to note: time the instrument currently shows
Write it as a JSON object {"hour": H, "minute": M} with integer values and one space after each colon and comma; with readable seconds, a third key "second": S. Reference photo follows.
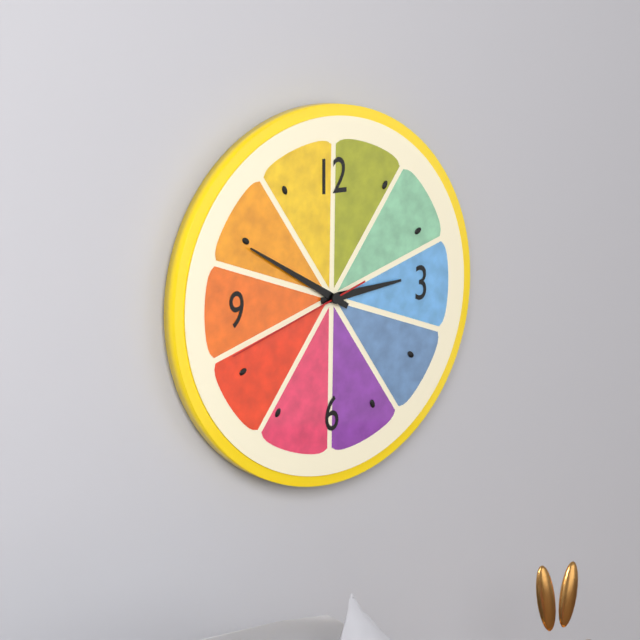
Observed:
{"hour": 2, "minute": 50, "second": 42}
